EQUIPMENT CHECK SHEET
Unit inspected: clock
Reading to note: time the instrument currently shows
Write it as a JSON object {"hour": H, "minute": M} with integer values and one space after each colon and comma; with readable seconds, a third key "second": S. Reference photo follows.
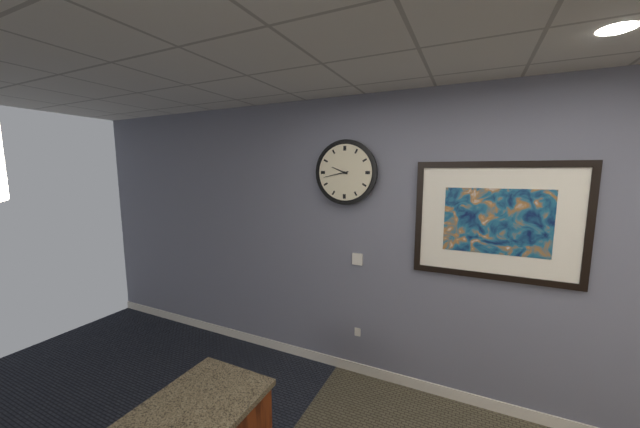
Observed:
{"hour": 9, "minute": 43}
